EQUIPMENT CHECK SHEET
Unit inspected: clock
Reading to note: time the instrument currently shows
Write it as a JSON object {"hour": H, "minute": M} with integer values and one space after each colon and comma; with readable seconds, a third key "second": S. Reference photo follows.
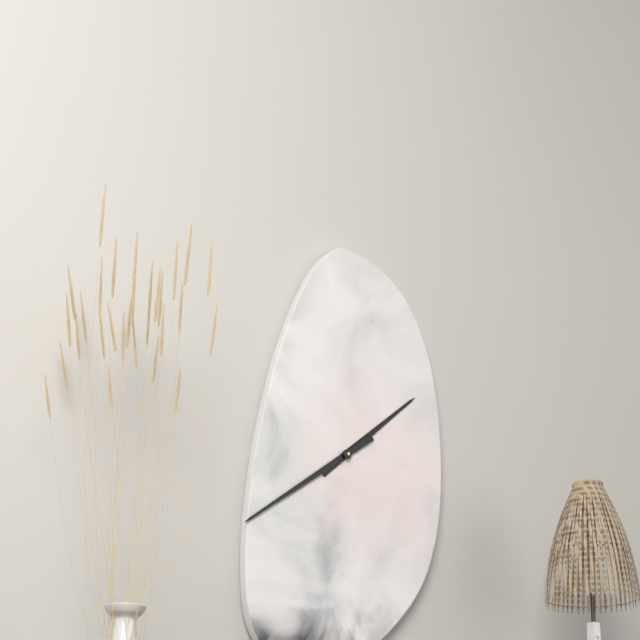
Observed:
{"hour": 1, "minute": 39}
